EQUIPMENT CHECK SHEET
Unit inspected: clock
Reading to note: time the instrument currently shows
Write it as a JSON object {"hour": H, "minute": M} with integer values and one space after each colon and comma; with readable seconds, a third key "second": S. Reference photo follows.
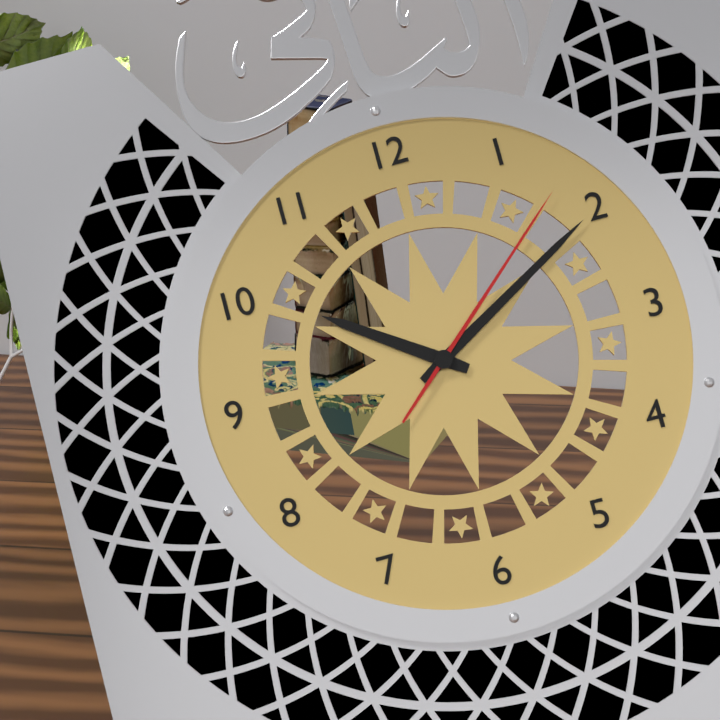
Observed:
{"hour": 10, "minute": 10, "second": 8}
